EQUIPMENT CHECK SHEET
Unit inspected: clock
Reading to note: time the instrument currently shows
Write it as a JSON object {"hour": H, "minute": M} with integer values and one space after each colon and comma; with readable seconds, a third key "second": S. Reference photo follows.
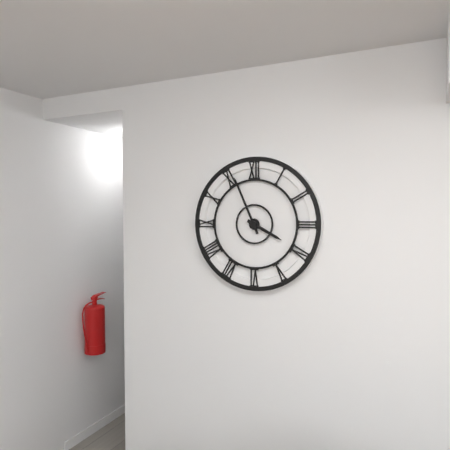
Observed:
{"hour": 3, "minute": 56}
